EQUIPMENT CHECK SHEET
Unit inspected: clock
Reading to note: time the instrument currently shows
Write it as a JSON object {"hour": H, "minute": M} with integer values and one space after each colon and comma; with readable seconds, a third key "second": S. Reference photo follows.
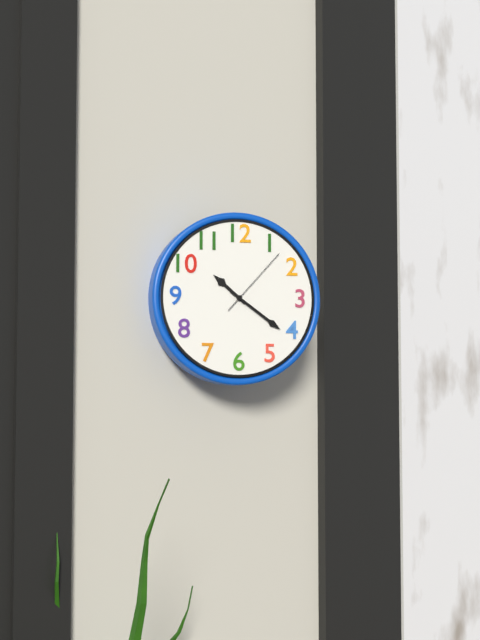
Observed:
{"hour": 10, "minute": 21, "second": 7}
